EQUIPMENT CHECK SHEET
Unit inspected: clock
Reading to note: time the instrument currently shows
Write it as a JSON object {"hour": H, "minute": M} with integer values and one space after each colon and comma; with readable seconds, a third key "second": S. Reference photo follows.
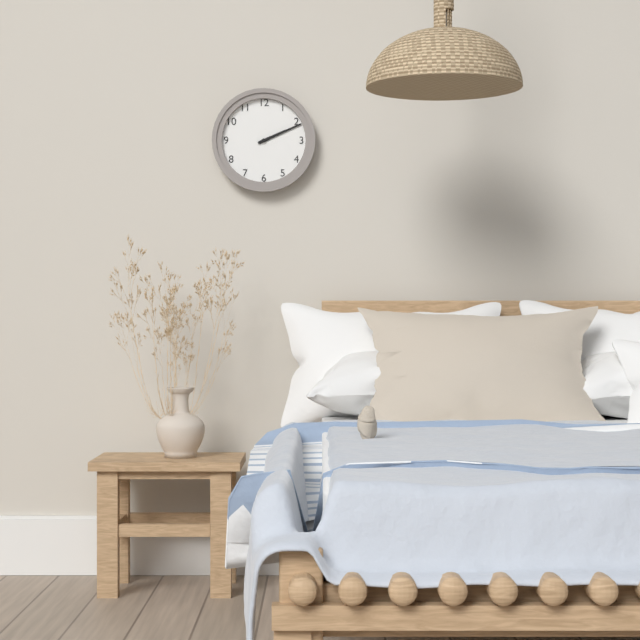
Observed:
{"hour": 2, "minute": 11}
